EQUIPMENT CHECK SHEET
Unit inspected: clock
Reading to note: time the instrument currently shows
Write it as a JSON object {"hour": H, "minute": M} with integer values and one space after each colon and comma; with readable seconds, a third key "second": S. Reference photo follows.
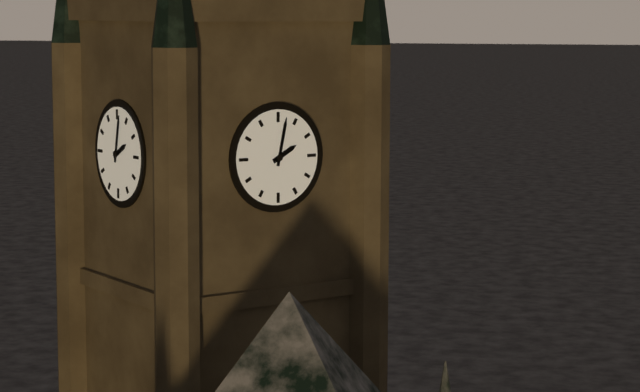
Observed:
{"hour": 2, "minute": 2}
